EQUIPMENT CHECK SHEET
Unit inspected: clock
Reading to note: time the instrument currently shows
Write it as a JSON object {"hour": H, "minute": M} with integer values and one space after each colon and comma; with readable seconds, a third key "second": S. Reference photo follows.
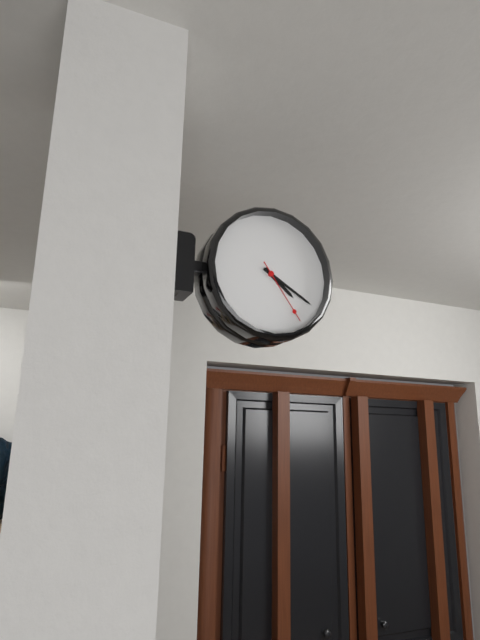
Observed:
{"hour": 4, "minute": 20, "second": 24}
